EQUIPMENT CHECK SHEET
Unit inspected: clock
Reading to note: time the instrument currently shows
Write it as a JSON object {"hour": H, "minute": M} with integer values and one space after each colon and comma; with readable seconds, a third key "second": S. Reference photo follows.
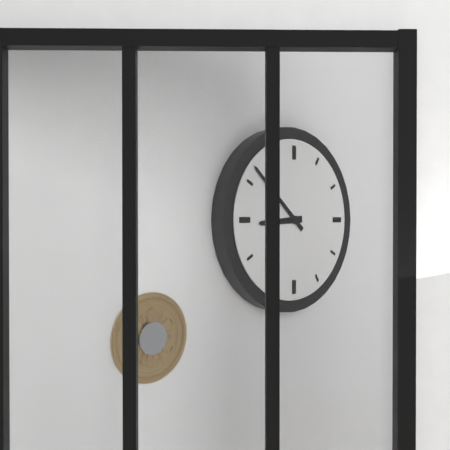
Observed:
{"hour": 8, "minute": 52}
